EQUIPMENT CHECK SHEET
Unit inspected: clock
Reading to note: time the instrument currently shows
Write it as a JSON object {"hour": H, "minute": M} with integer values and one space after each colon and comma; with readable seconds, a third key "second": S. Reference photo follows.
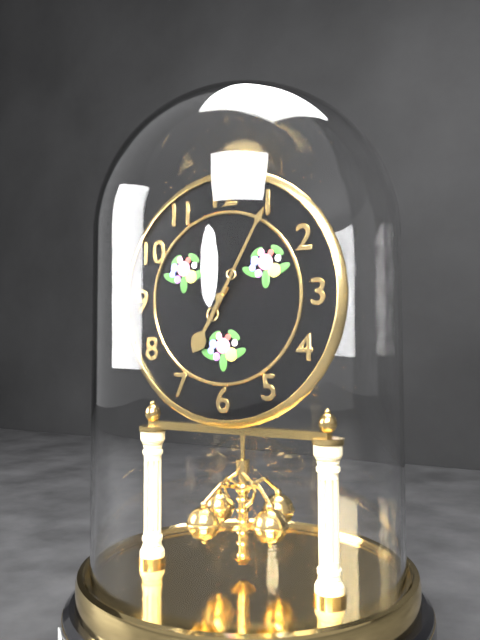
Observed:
{"hour": 7, "minute": 5}
